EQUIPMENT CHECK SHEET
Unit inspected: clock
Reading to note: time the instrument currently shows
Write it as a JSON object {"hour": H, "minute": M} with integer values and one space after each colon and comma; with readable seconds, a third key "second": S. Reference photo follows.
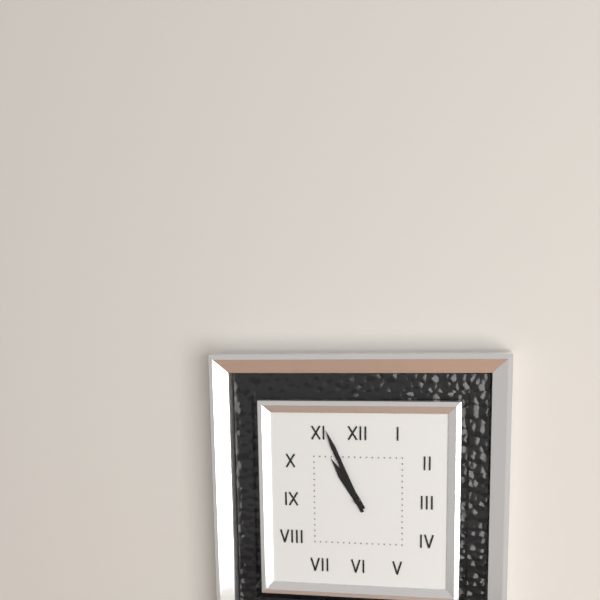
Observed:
{"hour": 10, "minute": 56}
